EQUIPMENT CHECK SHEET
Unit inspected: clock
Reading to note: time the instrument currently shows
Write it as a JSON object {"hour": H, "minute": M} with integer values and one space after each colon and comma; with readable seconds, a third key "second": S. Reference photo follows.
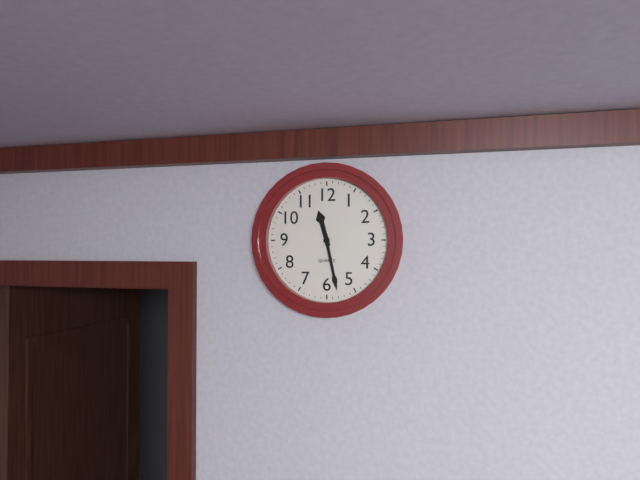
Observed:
{"hour": 11, "minute": 28}
